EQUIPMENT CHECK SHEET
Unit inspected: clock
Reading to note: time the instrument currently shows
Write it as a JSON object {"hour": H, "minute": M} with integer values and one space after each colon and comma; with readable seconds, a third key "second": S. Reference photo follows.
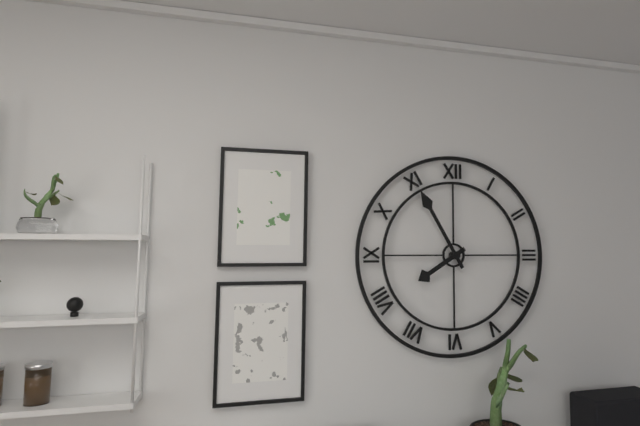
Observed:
{"hour": 7, "minute": 55}
